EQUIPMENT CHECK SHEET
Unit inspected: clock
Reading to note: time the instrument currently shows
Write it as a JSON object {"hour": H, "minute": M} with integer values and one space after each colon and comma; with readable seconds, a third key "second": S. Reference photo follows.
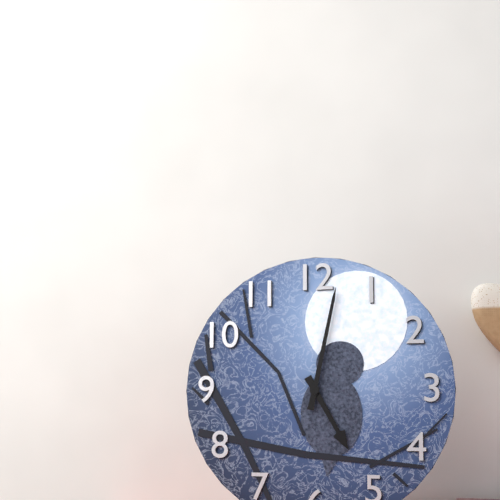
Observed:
{"hour": 5, "minute": 2}
